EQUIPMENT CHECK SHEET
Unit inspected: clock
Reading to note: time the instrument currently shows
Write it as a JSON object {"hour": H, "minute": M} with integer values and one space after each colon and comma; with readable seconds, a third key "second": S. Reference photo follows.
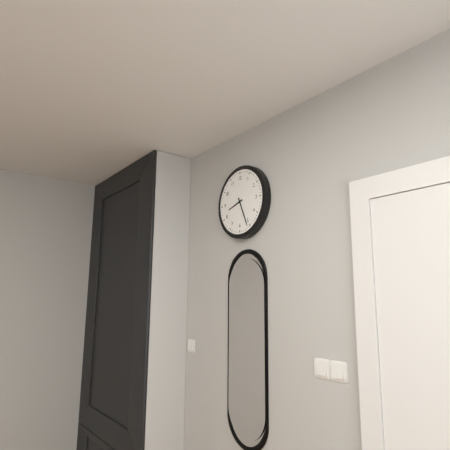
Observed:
{"hour": 8, "minute": 26}
